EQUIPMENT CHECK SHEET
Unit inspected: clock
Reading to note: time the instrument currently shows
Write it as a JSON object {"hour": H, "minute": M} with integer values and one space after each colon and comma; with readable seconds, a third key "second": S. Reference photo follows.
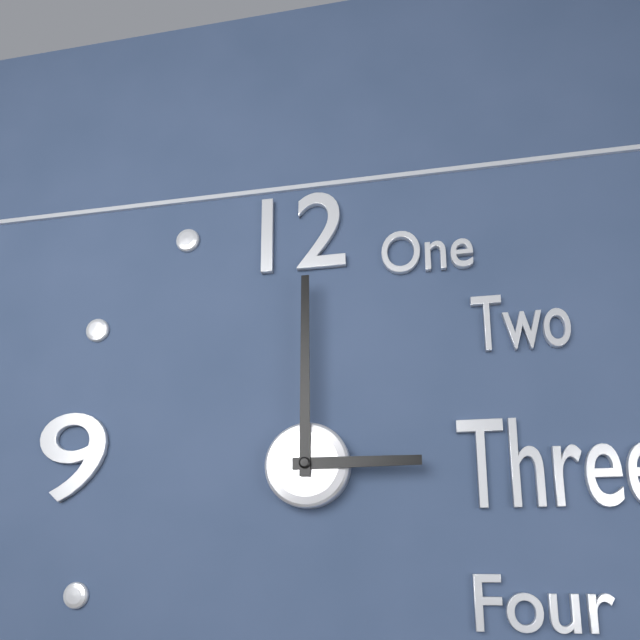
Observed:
{"hour": 3, "minute": 0}
